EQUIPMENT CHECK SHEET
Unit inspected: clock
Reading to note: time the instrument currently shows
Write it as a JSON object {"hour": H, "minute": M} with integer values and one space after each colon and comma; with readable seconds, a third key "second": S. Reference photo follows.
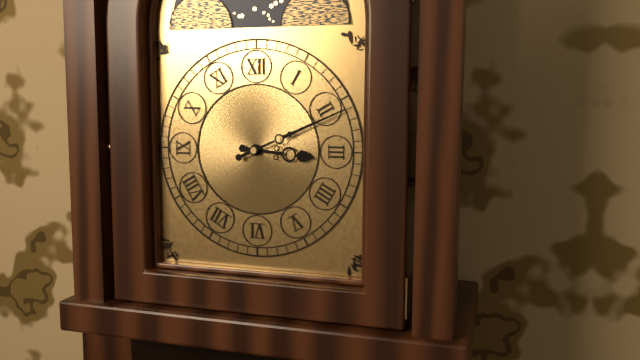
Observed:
{"hour": 3, "minute": 11}
